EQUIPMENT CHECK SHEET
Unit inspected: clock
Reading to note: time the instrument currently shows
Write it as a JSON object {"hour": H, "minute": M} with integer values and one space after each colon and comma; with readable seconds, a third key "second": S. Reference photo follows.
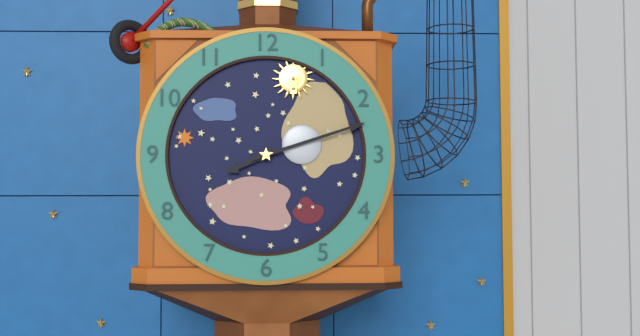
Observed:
{"hour": 8, "minute": 12}
